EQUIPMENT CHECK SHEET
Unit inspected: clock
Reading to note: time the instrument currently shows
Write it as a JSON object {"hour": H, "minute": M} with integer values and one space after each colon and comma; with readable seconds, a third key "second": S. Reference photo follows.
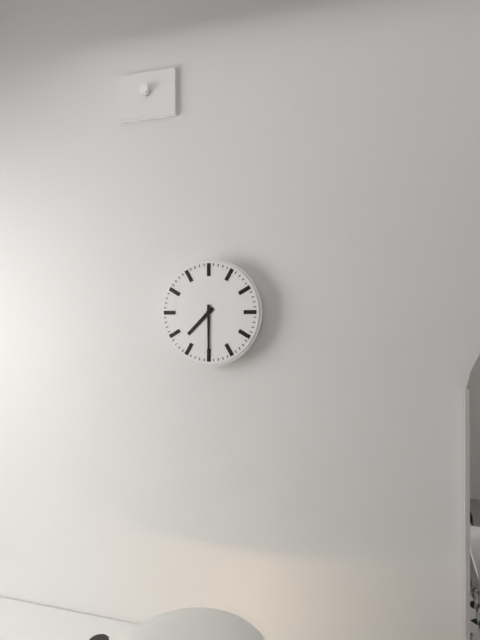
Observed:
{"hour": 7, "minute": 30}
